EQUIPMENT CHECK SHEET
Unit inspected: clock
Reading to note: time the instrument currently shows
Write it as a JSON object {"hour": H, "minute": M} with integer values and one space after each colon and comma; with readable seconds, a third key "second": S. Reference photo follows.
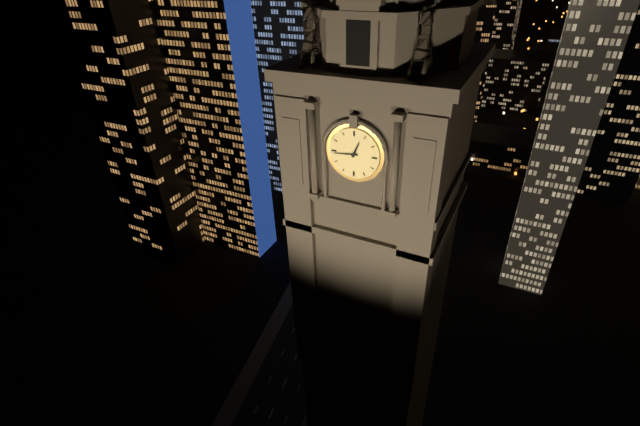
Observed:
{"hour": 12, "minute": 44}
